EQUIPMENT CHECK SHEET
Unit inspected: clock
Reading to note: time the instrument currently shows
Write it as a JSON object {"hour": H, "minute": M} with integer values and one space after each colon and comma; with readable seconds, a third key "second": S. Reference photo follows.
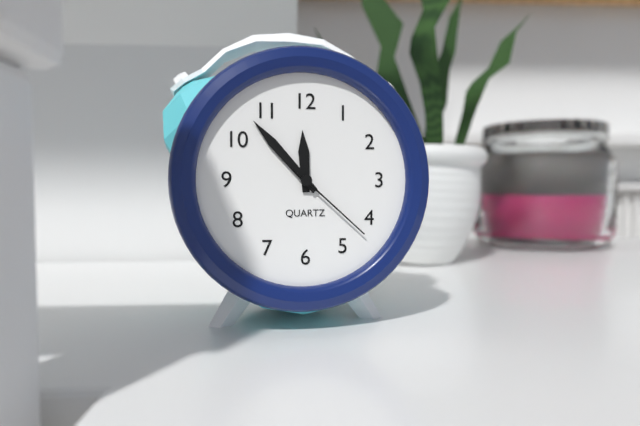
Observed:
{"hour": 11, "minute": 53, "second": 22}
